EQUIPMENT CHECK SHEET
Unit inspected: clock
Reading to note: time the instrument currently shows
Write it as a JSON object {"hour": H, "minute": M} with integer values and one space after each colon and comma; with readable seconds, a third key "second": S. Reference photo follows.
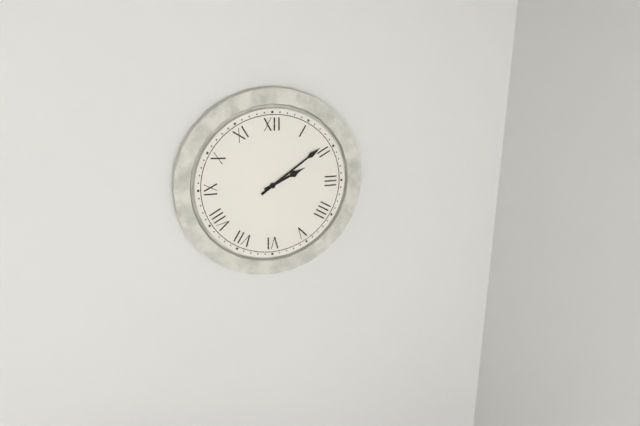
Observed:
{"hour": 2, "minute": 9}
